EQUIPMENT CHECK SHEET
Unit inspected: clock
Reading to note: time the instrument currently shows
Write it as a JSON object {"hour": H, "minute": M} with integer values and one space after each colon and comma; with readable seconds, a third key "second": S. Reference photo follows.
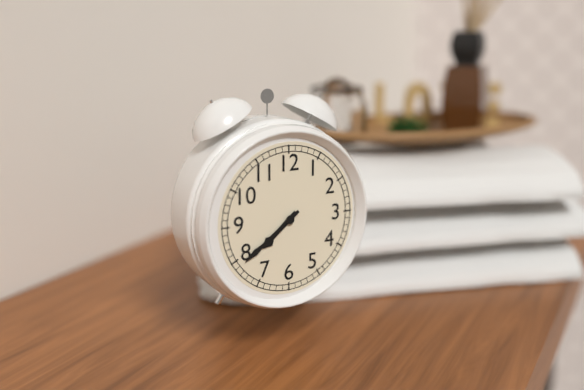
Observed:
{"hour": 7, "minute": 39}
